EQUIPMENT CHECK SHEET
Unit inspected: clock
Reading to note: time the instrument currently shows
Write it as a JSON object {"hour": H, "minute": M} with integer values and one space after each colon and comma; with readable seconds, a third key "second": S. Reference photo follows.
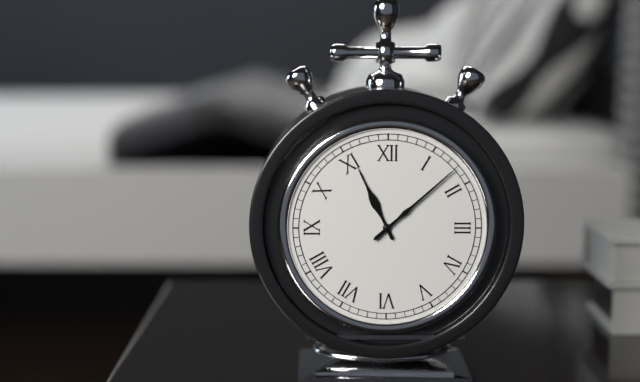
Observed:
{"hour": 11, "minute": 8}
